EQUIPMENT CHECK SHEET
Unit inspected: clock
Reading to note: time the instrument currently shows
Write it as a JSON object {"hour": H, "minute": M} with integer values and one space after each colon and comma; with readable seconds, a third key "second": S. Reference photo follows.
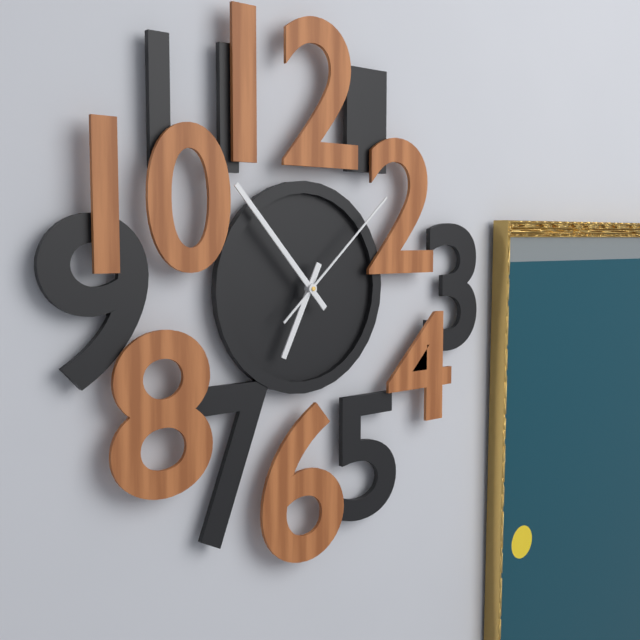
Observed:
{"hour": 6, "minute": 53, "second": 8}
